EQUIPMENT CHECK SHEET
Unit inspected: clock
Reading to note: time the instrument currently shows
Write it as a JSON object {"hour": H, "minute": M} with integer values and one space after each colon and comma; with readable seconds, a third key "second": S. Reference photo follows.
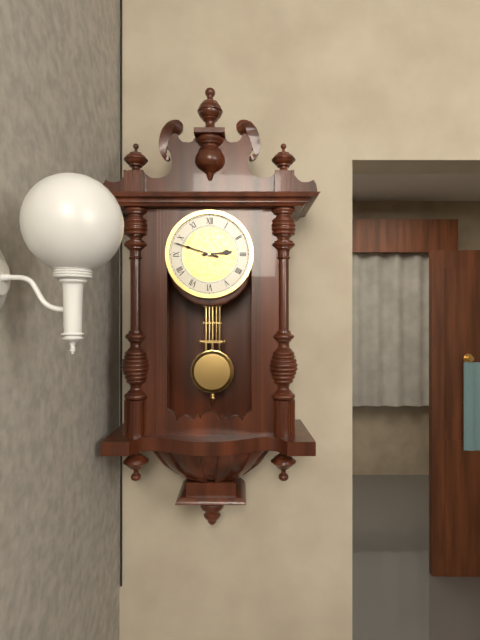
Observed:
{"hour": 2, "minute": 48}
